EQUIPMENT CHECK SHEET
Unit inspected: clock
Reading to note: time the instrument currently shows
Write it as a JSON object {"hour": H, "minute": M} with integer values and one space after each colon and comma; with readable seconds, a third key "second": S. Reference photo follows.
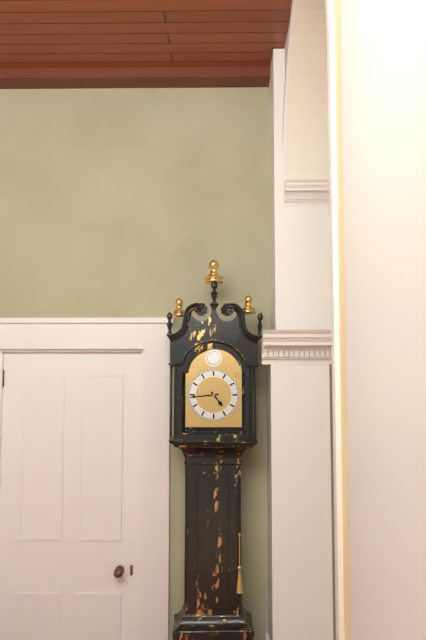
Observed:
{"hour": 4, "minute": 44}
